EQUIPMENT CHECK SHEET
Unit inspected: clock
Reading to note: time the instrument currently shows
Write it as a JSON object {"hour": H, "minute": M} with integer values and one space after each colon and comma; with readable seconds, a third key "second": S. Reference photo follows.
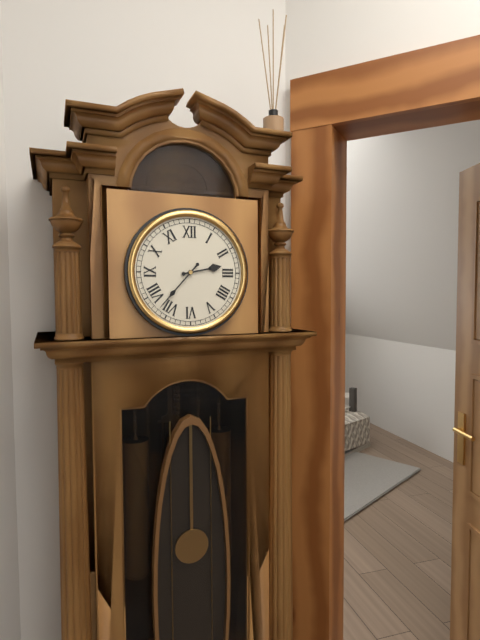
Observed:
{"hour": 2, "minute": 37}
